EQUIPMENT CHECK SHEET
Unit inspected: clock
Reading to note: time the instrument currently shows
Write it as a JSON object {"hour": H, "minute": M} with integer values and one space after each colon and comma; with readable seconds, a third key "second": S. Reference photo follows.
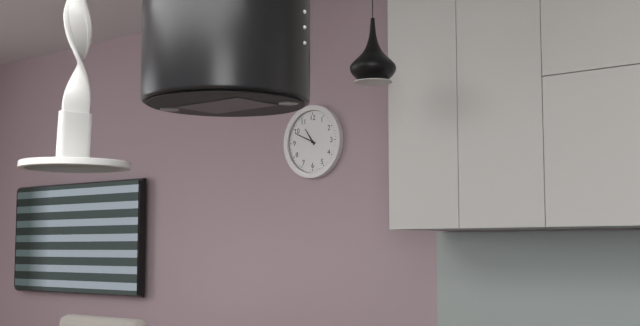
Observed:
{"hour": 10, "minute": 49}
